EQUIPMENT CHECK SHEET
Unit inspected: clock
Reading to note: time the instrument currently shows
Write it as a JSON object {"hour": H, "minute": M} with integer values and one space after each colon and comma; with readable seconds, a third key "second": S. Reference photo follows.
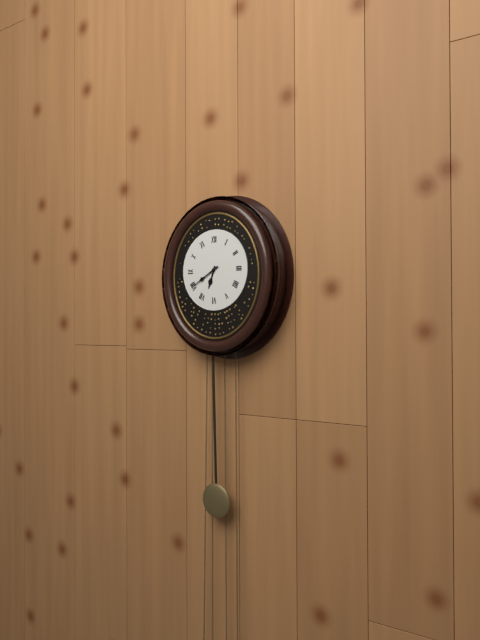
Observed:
{"hour": 6, "minute": 40}
